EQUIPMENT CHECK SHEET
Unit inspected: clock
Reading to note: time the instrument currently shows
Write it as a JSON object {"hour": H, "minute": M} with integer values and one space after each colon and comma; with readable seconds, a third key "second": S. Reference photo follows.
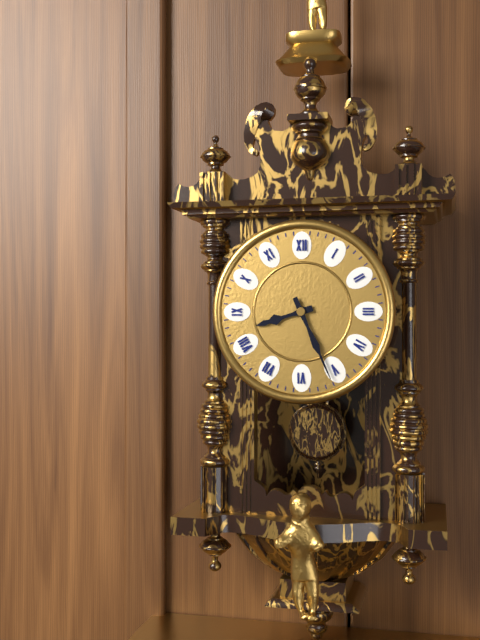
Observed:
{"hour": 8, "minute": 26}
